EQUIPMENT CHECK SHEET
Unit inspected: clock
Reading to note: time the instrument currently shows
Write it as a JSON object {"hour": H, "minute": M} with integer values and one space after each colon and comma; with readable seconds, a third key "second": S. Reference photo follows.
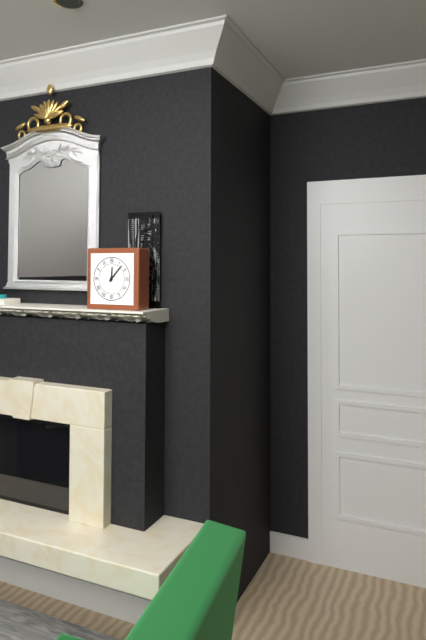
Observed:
{"hour": 12, "minute": 7}
